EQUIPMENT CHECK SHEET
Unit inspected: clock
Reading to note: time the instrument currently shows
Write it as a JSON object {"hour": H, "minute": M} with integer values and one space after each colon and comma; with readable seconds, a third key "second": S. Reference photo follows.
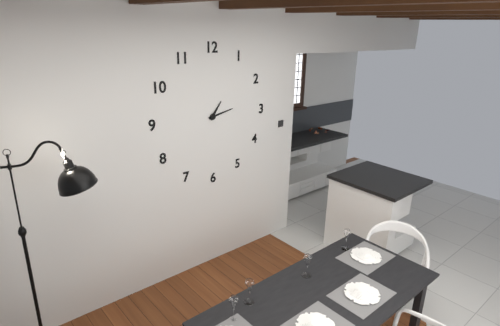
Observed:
{"hour": 1, "minute": 13}
